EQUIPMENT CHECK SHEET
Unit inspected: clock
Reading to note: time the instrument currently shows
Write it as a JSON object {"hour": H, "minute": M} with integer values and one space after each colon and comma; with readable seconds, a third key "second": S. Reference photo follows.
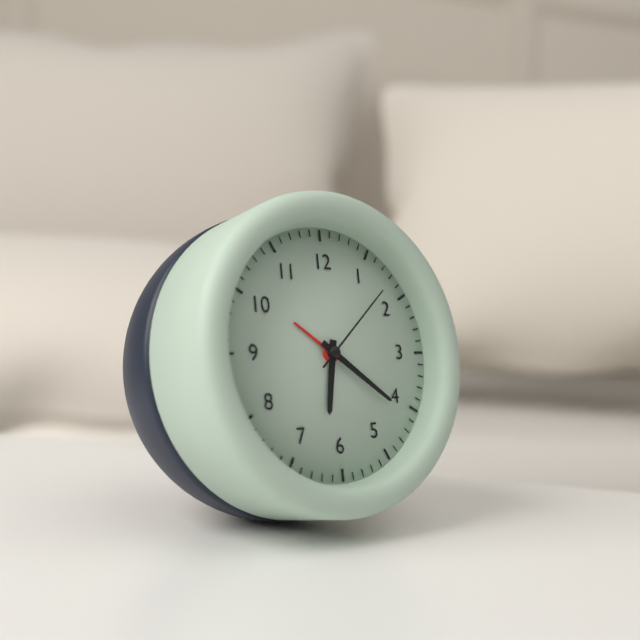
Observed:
{"hour": 6, "minute": 21, "second": 8}
